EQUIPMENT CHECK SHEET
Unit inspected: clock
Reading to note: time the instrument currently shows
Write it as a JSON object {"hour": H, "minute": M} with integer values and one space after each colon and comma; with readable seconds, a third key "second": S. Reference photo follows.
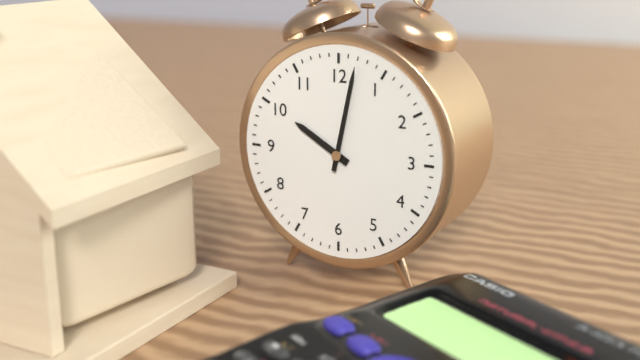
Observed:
{"hour": 10, "minute": 2}
